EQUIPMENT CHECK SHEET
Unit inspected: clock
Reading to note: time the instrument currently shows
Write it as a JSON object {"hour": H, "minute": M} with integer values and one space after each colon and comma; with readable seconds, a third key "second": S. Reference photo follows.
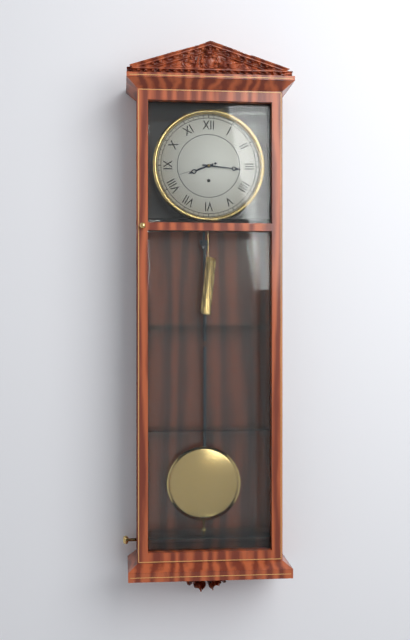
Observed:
{"hour": 8, "minute": 16}
